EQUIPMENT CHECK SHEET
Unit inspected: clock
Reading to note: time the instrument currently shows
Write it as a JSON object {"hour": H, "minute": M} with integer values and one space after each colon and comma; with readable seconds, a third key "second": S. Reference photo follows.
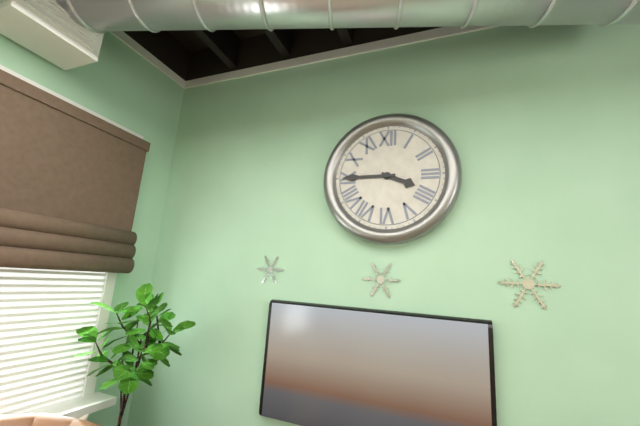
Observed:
{"hour": 3, "minute": 45}
